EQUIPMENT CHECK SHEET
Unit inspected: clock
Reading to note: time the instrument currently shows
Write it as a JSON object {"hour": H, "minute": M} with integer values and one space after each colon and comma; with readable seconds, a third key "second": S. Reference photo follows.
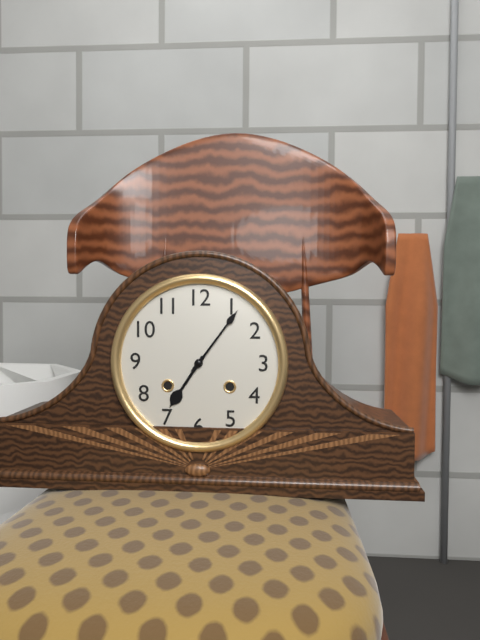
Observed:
{"hour": 7, "minute": 6}
